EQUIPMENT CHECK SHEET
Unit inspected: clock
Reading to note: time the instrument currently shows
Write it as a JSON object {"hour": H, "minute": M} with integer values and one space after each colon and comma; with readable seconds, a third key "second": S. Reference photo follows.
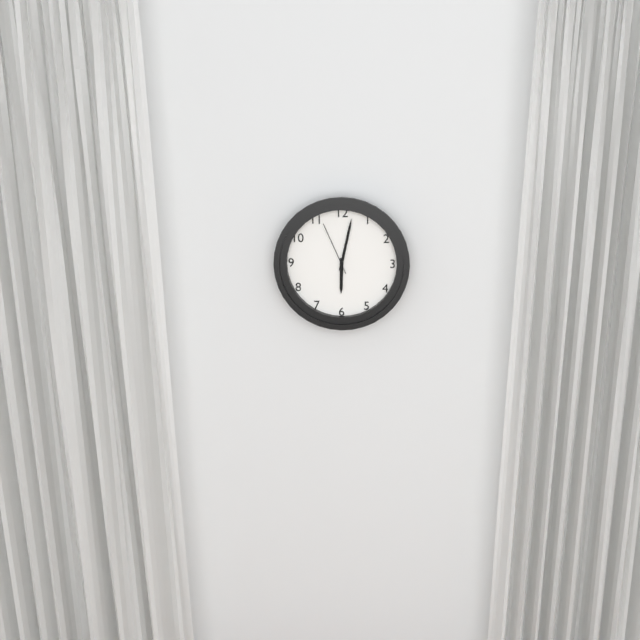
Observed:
{"hour": 6, "minute": 2, "second": 56}
